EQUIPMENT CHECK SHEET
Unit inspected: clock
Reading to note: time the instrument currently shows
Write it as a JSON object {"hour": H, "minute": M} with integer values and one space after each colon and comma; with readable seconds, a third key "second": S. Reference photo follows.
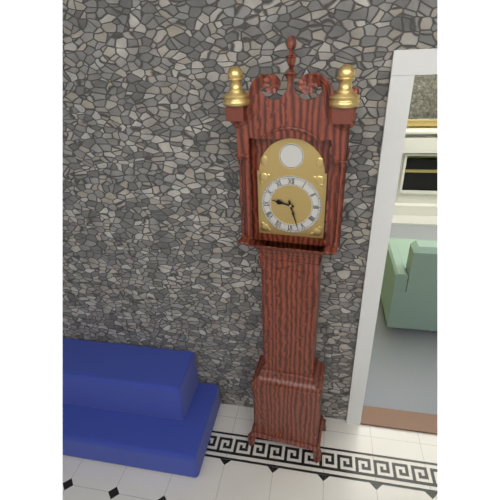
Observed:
{"hour": 9, "minute": 27}
